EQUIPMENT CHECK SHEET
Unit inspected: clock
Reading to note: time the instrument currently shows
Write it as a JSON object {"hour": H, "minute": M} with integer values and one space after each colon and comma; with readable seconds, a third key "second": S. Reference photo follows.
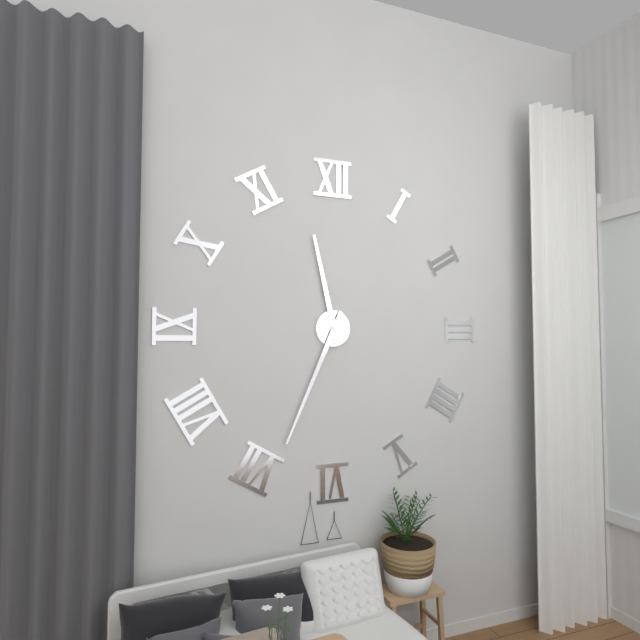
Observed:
{"hour": 11, "minute": 34}
